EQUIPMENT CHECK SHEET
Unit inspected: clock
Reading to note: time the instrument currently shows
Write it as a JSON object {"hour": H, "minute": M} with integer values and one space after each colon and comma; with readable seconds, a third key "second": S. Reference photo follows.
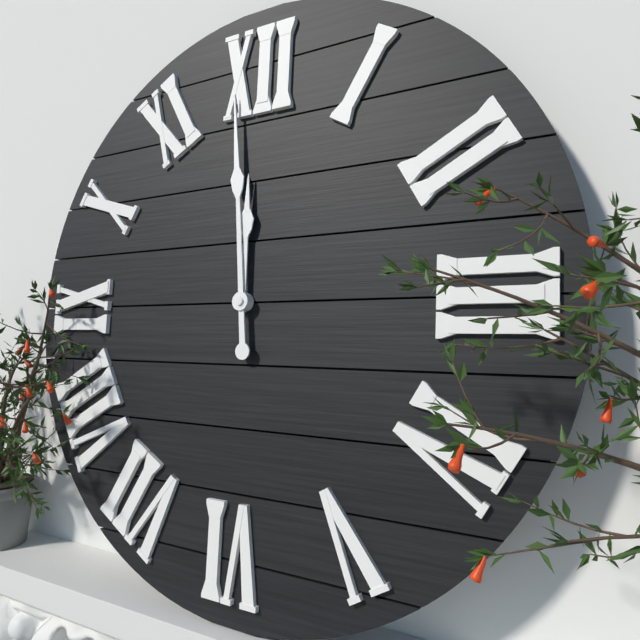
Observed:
{"hour": 11, "minute": 59}
